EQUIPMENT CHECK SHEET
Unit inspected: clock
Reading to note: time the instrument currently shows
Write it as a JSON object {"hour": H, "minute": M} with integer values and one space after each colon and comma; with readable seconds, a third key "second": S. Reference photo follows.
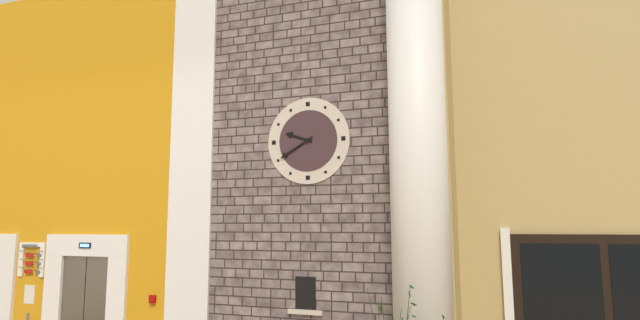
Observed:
{"hour": 9, "minute": 40}
